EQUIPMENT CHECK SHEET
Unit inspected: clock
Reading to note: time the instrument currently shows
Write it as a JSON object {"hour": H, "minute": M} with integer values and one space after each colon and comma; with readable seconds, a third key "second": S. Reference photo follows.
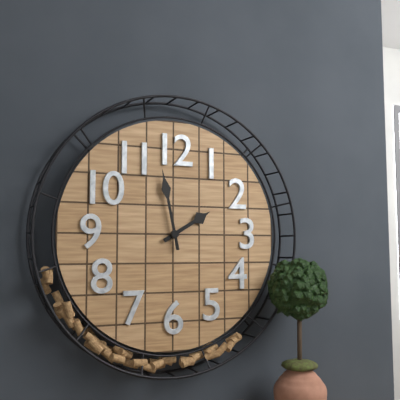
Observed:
{"hour": 1, "minute": 58}
